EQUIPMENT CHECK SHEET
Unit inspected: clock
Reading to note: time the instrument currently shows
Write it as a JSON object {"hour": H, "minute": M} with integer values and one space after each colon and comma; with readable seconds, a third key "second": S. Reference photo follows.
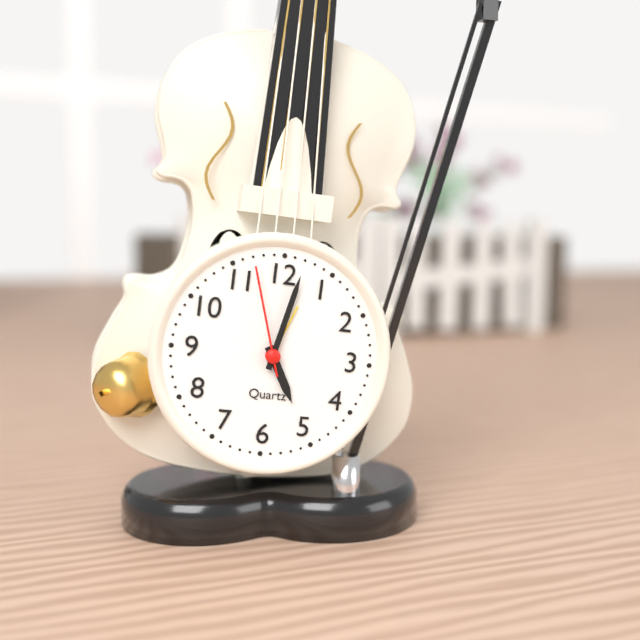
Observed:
{"hour": 5, "minute": 2, "second": 57}
